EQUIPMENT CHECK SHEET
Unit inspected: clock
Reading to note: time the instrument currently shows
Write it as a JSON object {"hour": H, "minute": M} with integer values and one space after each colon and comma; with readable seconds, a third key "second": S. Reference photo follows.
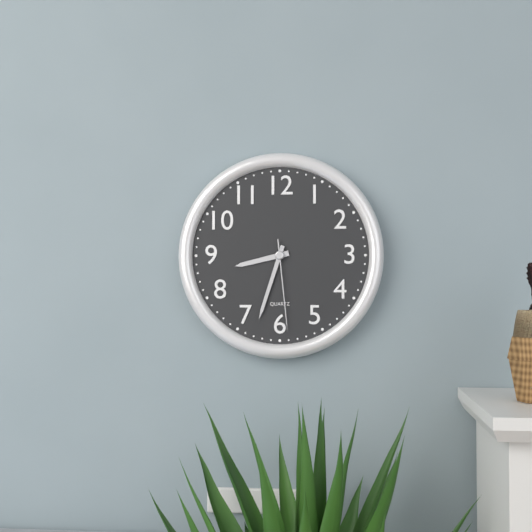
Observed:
{"hour": 8, "minute": 33, "second": 29}
